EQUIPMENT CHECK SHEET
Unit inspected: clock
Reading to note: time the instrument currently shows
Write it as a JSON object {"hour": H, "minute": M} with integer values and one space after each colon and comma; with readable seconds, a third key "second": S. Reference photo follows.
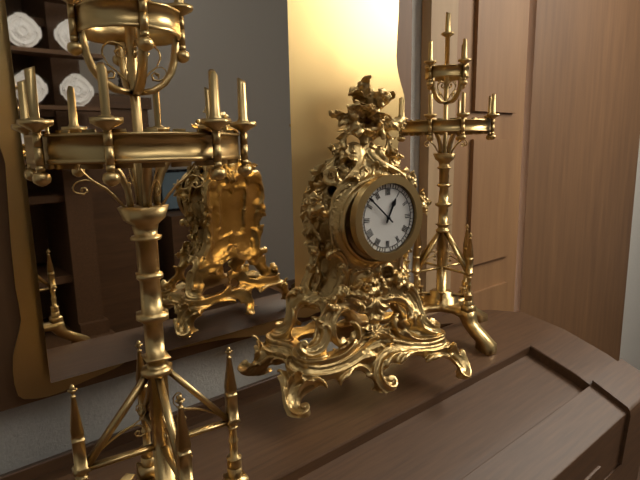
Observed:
{"hour": 12, "minute": 52}
